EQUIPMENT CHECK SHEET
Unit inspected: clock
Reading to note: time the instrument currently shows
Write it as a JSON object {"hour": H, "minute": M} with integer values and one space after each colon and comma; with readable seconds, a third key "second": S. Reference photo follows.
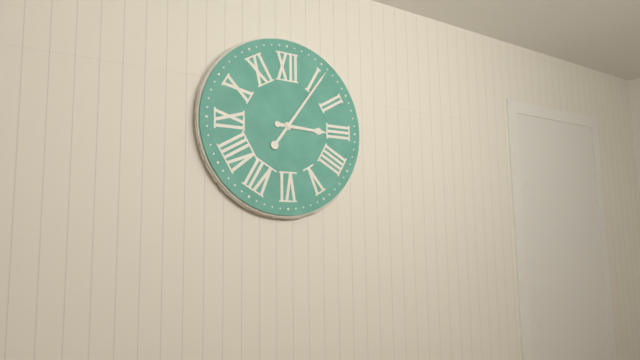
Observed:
{"hour": 3, "minute": 6}
